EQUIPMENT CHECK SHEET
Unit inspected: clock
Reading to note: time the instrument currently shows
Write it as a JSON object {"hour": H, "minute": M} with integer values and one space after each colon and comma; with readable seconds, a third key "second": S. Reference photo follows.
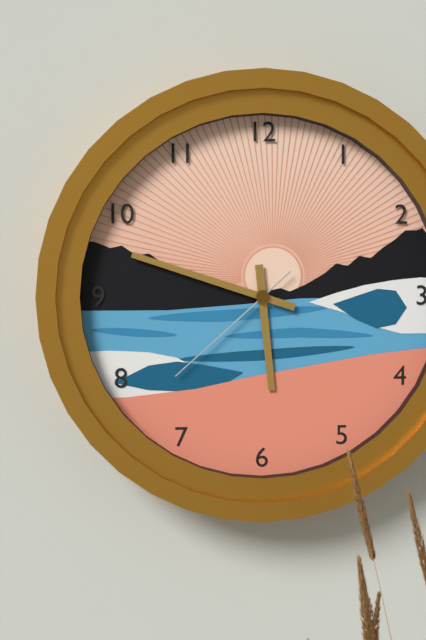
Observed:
{"hour": 5, "minute": 48, "second": 38}
